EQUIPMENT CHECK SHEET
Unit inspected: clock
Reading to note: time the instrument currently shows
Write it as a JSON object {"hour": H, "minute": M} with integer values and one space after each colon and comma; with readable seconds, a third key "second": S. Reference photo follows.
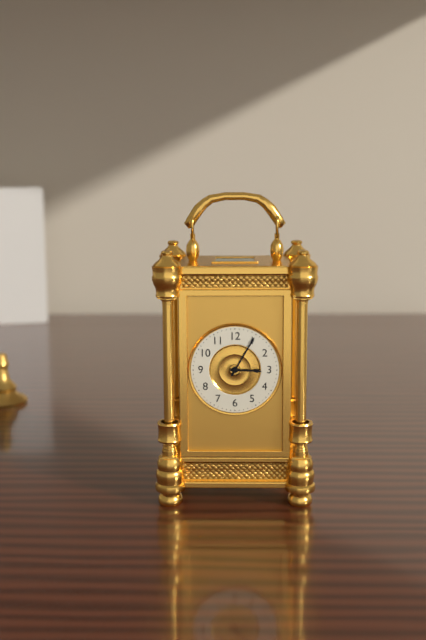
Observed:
{"hour": 3, "minute": 5}
